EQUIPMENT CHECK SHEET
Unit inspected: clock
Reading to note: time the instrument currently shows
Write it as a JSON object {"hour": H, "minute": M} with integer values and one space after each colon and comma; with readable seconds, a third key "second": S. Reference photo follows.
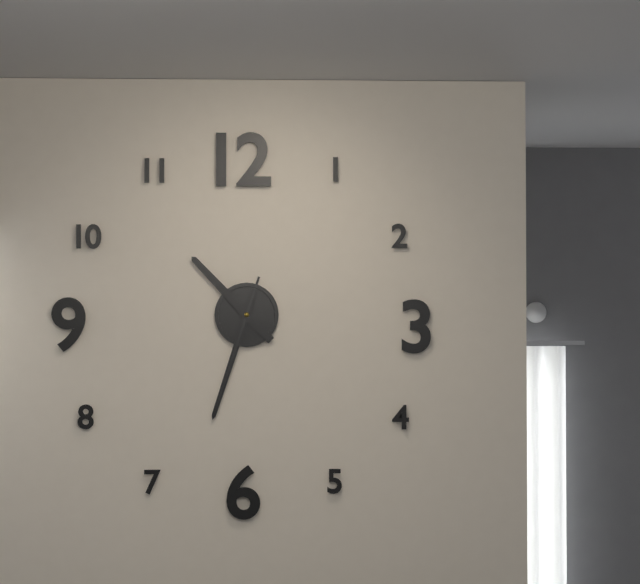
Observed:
{"hour": 10, "minute": 33, "second": 33}
